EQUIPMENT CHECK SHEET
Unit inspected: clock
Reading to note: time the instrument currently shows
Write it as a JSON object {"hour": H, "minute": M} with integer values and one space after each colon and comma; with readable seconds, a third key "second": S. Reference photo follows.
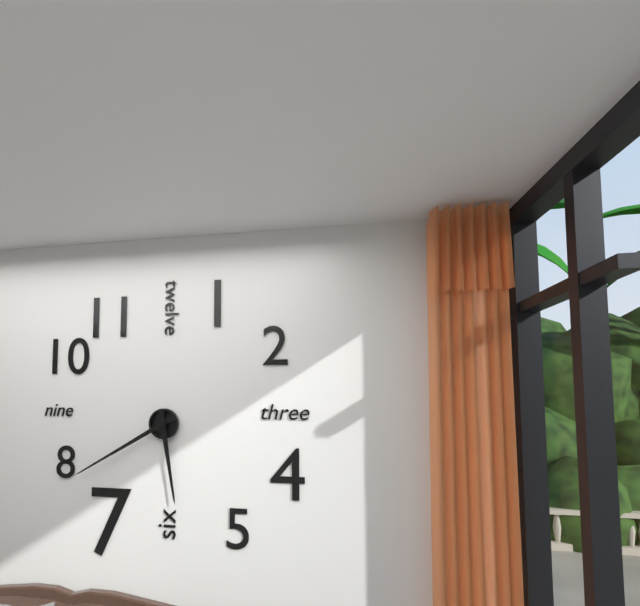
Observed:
{"hour": 5, "minute": 40}
